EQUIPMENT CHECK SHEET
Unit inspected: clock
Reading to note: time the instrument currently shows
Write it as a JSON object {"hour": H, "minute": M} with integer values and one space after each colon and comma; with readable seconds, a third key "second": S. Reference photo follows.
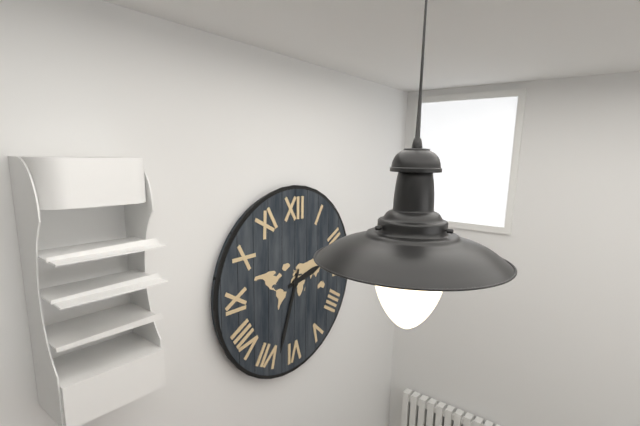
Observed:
{"hour": 2, "minute": 33}
